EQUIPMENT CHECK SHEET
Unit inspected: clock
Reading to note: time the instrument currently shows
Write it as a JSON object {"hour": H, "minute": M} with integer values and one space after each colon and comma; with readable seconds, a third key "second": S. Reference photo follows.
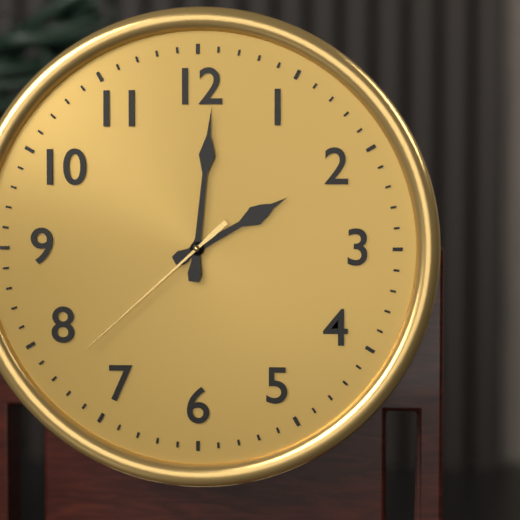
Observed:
{"hour": 2, "minute": 1, "second": 38}
